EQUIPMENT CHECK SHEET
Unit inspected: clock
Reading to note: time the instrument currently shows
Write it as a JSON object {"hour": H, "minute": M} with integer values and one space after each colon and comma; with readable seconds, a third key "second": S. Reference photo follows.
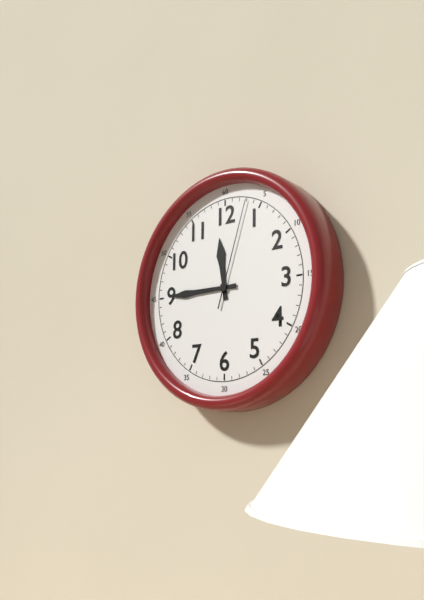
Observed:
{"hour": 11, "minute": 45, "second": 3}
